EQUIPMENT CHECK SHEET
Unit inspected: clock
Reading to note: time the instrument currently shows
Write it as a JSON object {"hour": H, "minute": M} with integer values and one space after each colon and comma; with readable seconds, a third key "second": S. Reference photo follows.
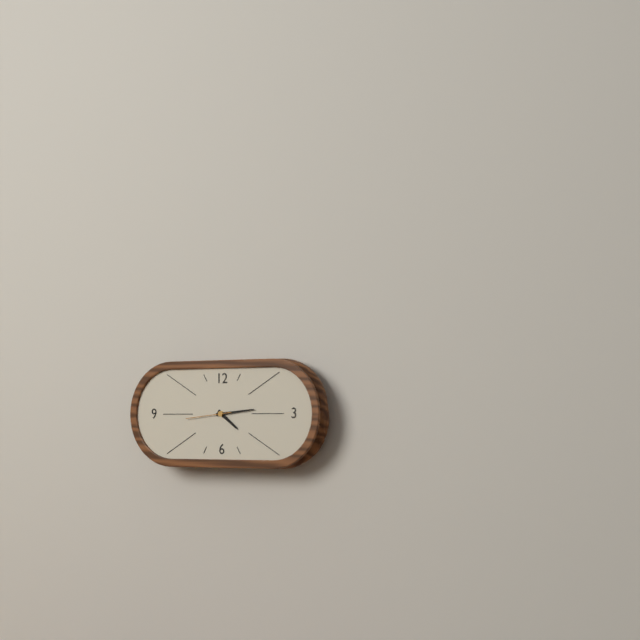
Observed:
{"hour": 4, "minute": 14, "second": 44}
